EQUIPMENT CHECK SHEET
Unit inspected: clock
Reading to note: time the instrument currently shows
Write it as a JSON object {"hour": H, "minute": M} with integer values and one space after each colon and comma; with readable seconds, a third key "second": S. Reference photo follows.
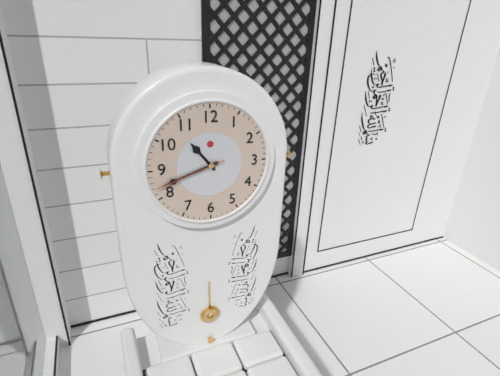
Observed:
{"hour": 10, "minute": 42, "second": 42}
